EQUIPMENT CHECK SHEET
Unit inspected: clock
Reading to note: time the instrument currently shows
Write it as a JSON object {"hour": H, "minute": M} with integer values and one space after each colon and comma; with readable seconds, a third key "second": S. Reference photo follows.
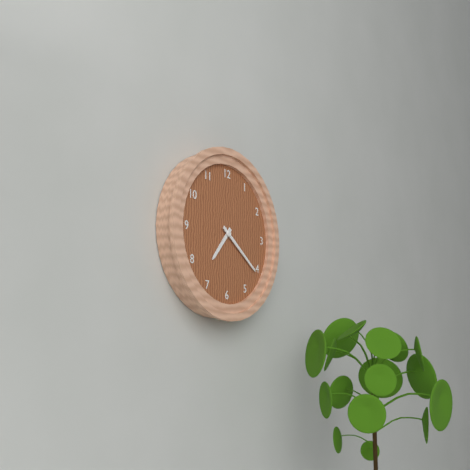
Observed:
{"hour": 7, "minute": 21}
